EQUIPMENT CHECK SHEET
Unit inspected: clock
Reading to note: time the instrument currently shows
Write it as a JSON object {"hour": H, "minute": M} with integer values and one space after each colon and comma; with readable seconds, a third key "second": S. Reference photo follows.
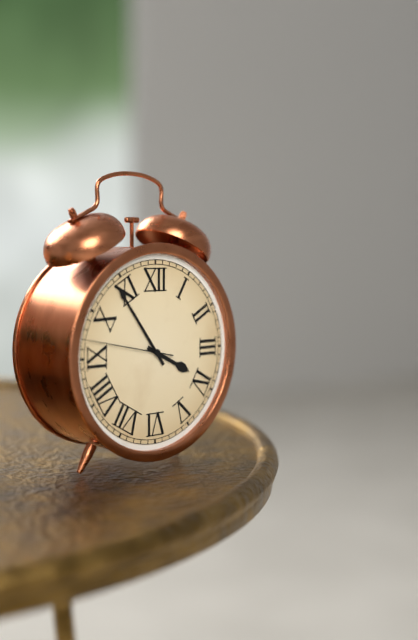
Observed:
{"hour": 3, "minute": 54, "second": 47}
